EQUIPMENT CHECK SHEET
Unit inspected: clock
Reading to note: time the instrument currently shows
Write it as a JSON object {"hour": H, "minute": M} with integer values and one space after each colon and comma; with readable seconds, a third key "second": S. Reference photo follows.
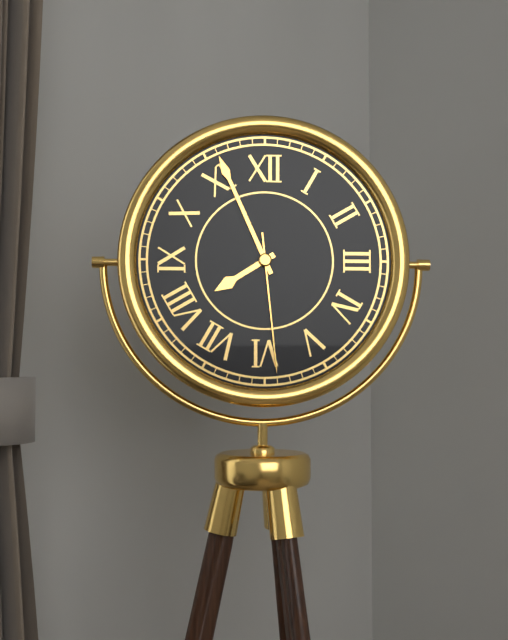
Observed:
{"hour": 7, "minute": 56, "second": 29}
